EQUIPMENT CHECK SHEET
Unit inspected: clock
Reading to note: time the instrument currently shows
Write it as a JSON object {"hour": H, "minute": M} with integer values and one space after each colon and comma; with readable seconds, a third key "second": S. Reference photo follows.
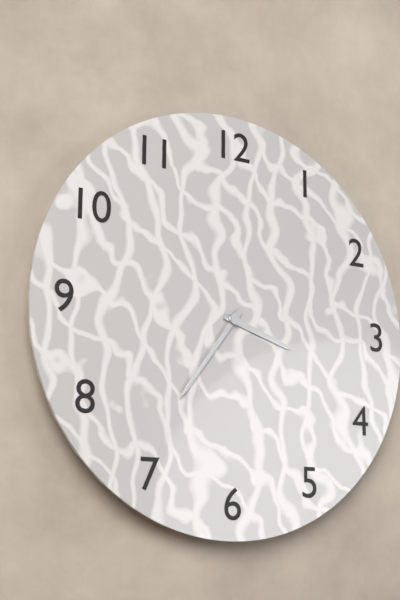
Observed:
{"hour": 3, "minute": 36}
